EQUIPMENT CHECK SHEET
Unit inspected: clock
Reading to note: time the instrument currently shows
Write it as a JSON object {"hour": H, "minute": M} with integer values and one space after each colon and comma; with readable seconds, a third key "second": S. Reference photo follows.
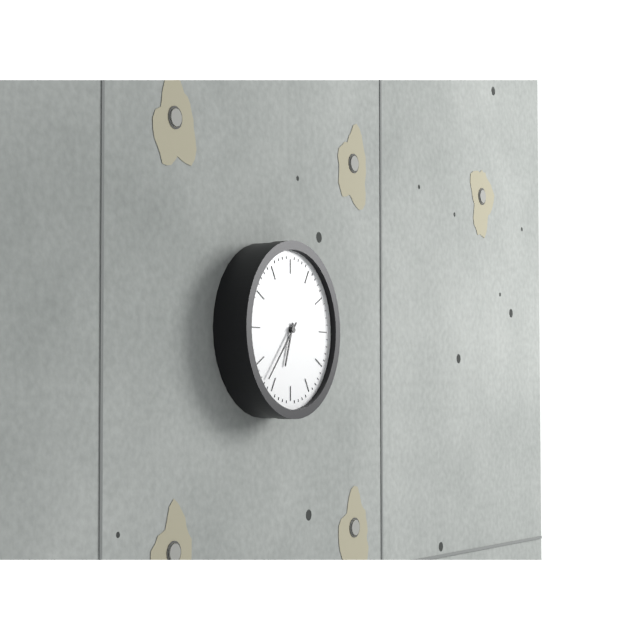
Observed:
{"hour": 6, "minute": 37}
